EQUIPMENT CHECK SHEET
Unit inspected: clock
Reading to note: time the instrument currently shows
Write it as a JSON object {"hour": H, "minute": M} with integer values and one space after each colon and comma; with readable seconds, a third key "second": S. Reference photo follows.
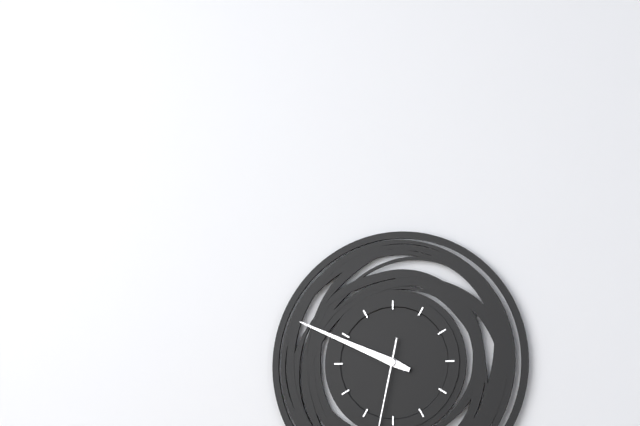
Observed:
{"hour": 9, "minute": 49}
